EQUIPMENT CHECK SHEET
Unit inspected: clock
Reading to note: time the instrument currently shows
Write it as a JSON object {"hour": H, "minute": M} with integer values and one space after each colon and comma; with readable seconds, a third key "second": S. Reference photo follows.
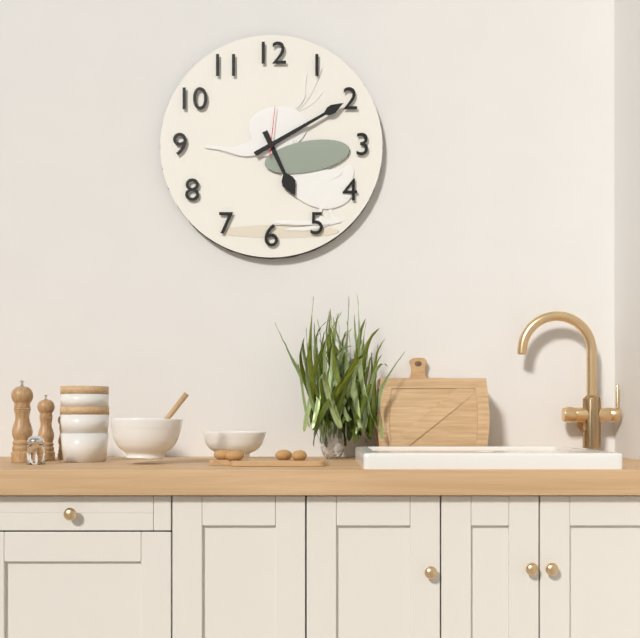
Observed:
{"hour": 5, "minute": 10, "second": 1}
